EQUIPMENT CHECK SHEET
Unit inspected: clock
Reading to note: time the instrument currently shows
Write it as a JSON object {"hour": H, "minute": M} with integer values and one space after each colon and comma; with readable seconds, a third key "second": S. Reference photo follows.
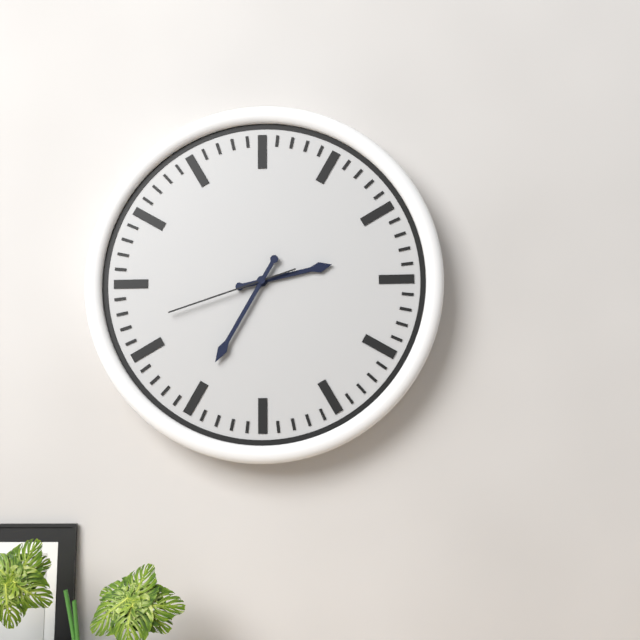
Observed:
{"hour": 2, "minute": 35, "second": 42}
